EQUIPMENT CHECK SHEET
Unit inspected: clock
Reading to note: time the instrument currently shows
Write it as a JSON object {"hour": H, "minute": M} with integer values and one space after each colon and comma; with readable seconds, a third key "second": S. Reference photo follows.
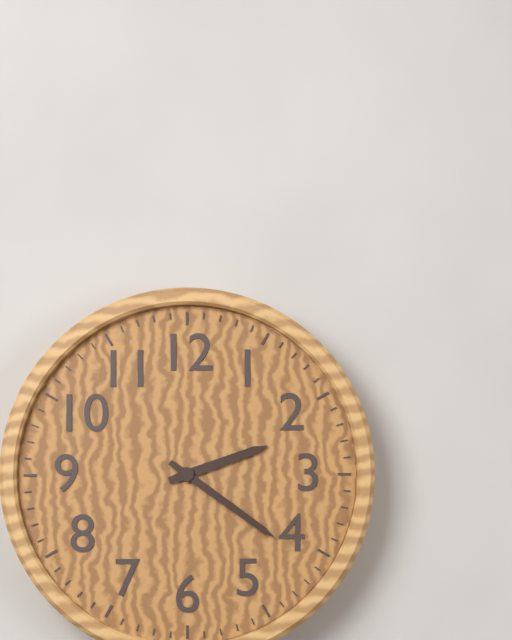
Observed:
{"hour": 2, "minute": 21}
